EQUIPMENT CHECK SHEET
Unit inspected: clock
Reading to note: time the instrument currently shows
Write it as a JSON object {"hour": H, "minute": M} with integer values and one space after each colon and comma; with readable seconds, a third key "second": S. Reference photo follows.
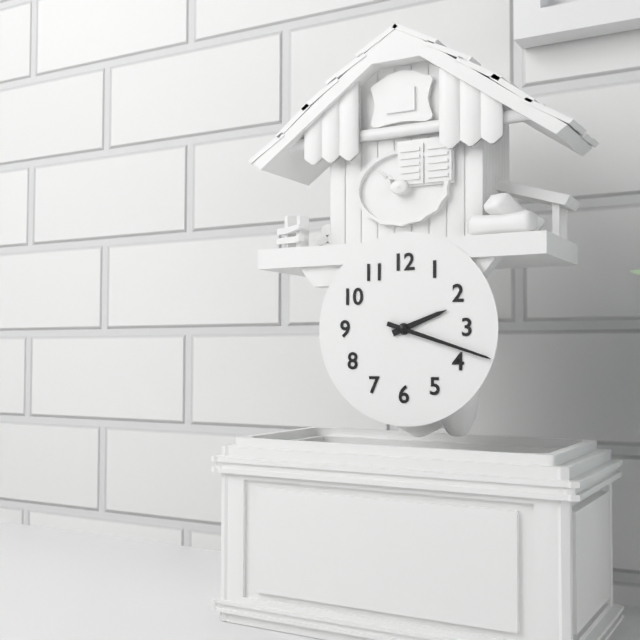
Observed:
{"hour": 2, "minute": 18}
